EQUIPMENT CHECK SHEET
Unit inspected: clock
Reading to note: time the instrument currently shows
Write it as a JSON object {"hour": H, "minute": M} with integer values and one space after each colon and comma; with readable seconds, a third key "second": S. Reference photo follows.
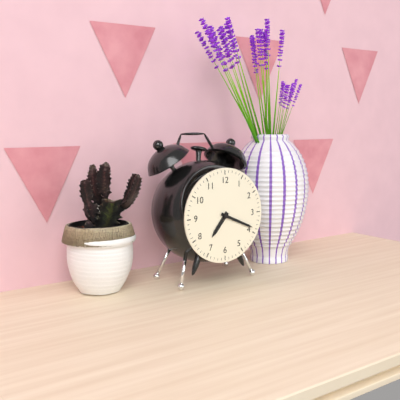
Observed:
{"hour": 7, "minute": 19}
